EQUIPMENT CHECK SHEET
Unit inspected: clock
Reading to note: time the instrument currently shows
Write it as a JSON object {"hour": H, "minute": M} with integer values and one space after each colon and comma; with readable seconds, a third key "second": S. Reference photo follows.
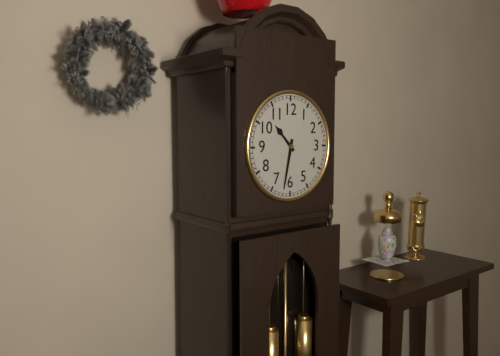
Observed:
{"hour": 10, "minute": 32}
